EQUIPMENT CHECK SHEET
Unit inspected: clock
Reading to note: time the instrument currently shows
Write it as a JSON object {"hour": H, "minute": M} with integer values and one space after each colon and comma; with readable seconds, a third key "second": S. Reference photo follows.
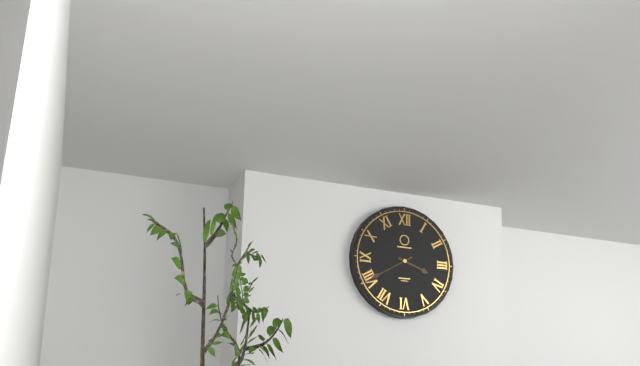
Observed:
{"hour": 3, "minute": 40}
